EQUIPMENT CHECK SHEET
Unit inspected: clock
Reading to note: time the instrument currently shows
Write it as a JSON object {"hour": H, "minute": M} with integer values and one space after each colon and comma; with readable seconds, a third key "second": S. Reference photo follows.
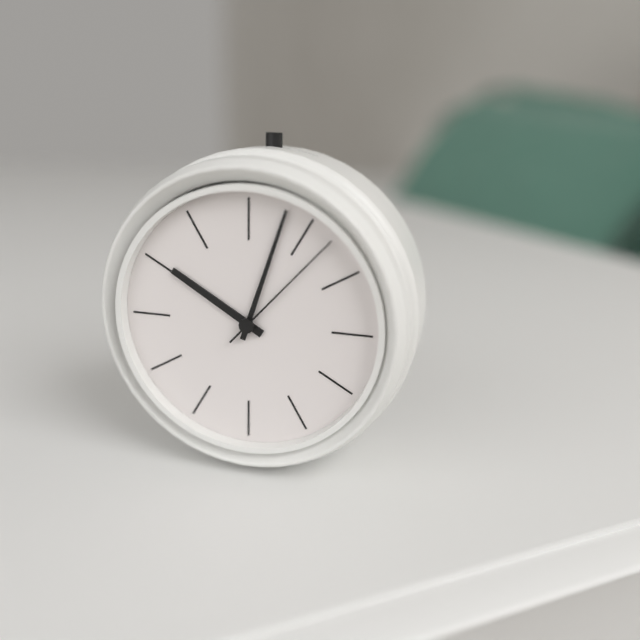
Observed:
{"hour": 10, "minute": 3, "second": 7}
